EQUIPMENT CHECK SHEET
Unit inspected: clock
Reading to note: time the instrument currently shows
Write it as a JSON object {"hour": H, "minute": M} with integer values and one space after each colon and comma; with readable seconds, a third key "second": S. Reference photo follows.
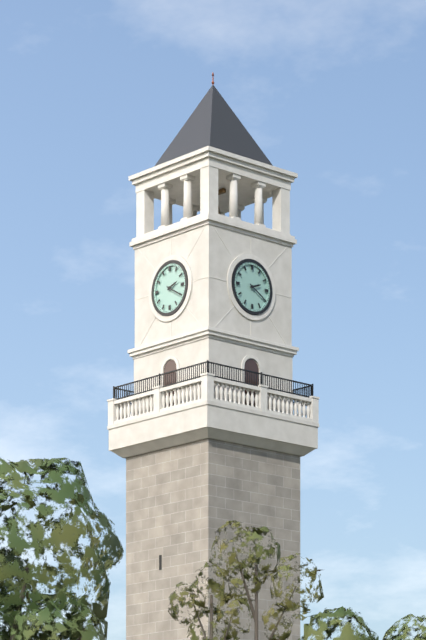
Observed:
{"hour": 2, "minute": 20}
